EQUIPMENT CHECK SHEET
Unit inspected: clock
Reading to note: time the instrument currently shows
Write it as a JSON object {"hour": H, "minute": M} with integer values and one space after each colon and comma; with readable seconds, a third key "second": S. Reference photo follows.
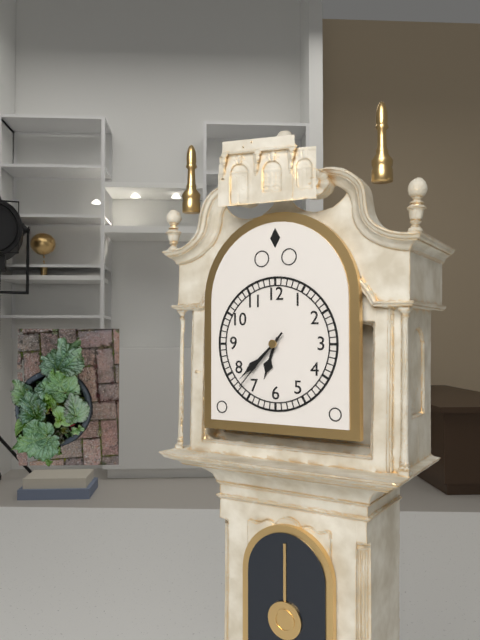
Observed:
{"hour": 6, "minute": 38, "second": 37}
